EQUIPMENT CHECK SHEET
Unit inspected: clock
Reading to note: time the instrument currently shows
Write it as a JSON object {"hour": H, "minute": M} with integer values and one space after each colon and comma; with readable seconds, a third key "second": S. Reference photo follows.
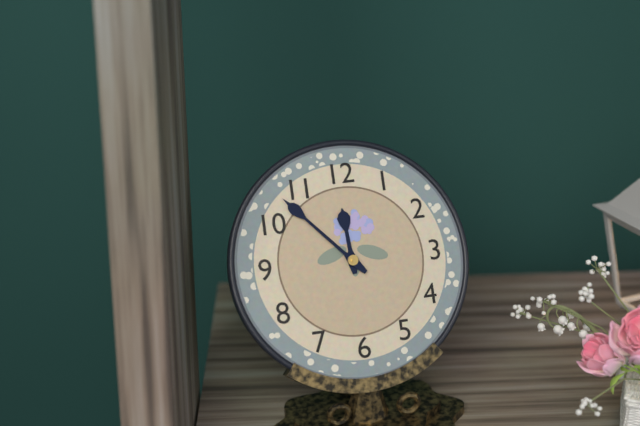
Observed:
{"hour": 11, "minute": 53}
